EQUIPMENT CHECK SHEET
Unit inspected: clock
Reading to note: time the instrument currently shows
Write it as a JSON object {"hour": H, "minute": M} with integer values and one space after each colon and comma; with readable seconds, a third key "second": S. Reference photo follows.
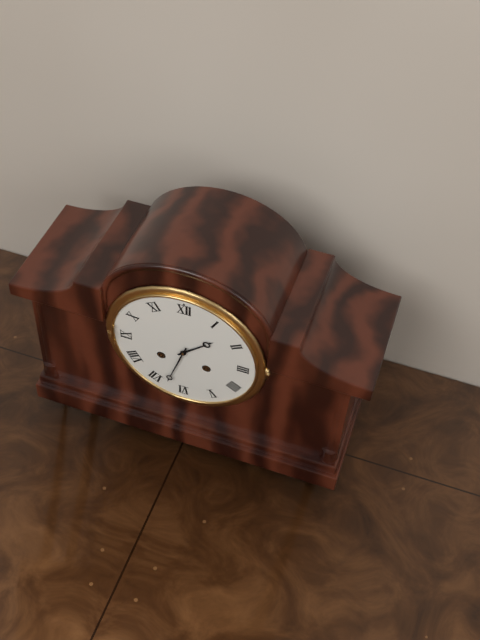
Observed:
{"hour": 1, "minute": 33}
